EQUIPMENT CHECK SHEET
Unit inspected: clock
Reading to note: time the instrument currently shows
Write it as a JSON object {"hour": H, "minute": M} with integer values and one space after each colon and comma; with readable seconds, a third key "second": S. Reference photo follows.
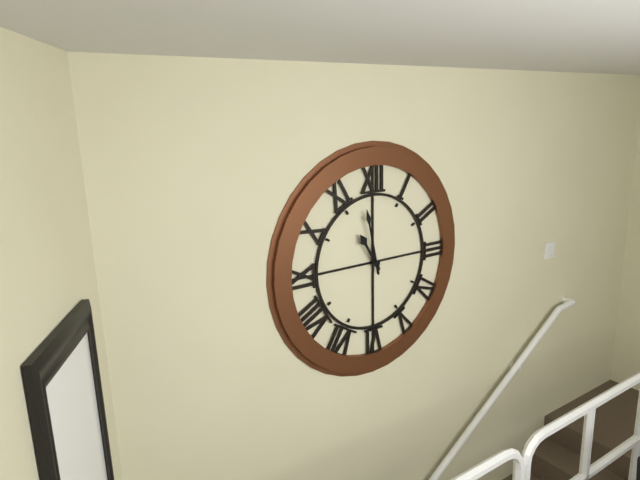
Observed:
{"hour": 10, "minute": 58}
